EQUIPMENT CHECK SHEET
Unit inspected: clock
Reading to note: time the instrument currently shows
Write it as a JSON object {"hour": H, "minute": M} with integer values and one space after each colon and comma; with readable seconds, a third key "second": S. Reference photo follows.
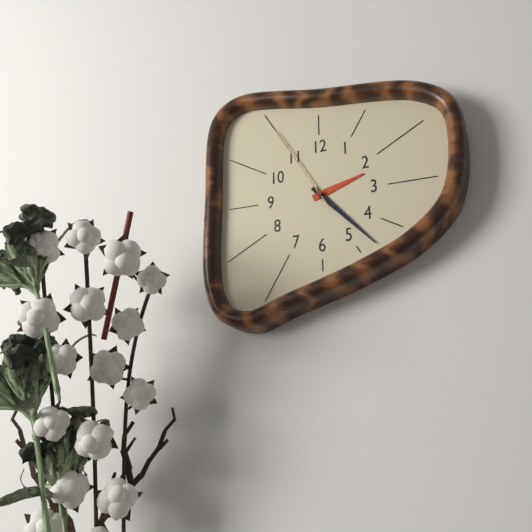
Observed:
{"hour": 2, "minute": 23, "second": 55}
